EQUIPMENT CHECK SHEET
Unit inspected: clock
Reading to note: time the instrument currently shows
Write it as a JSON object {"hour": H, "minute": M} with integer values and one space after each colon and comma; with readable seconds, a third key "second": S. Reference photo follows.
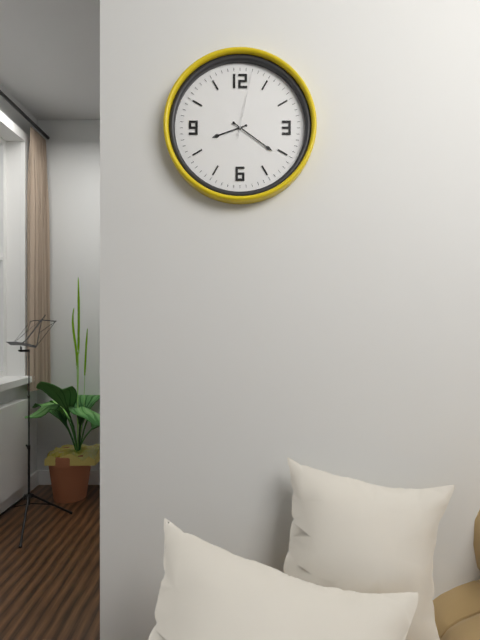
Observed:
{"hour": 8, "minute": 21, "second": 2}
